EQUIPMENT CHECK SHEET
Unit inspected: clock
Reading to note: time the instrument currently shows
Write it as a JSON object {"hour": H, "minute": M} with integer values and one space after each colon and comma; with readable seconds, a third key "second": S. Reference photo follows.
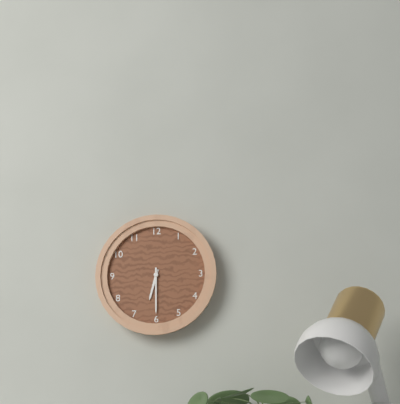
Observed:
{"hour": 6, "minute": 30}
